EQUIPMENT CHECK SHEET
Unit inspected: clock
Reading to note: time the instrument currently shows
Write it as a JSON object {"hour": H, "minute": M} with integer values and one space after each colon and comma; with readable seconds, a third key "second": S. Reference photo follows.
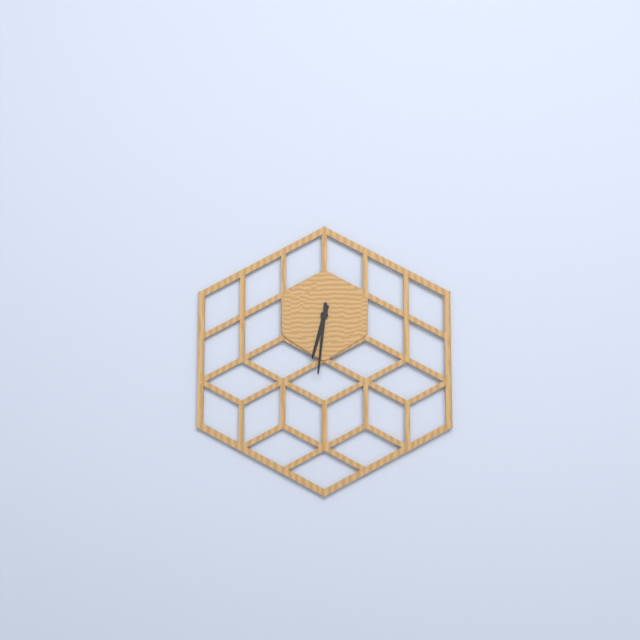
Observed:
{"hour": 6, "minute": 31}
